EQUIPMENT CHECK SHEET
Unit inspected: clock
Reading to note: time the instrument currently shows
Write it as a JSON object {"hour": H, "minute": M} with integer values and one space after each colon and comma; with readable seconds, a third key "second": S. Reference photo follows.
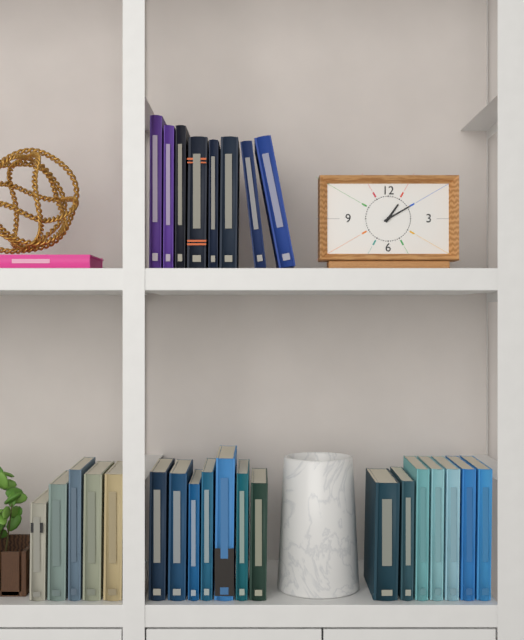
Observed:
{"hour": 1, "minute": 10}
